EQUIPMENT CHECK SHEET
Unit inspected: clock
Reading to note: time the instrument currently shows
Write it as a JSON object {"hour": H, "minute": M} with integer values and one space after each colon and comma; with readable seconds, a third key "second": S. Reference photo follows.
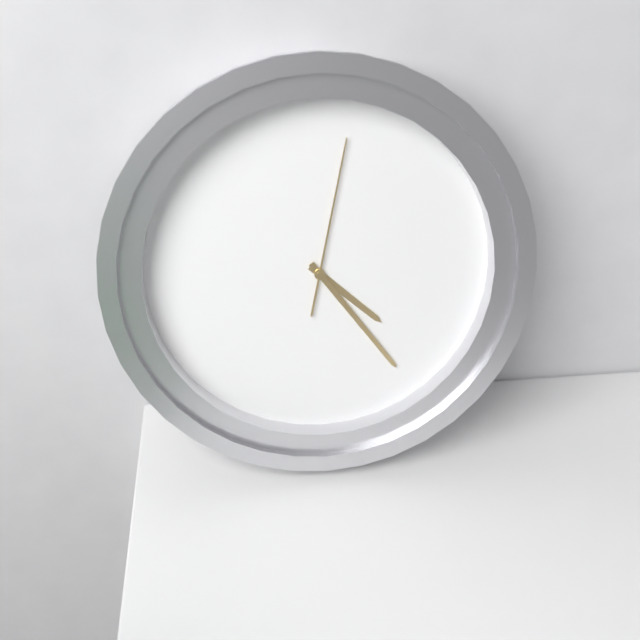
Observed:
{"hour": 4, "minute": 24, "second": 2}
